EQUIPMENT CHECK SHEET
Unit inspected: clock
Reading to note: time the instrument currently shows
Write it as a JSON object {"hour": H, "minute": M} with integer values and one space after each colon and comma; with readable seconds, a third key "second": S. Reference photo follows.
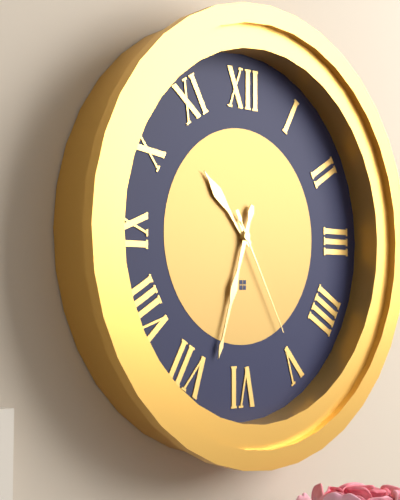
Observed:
{"hour": 10, "minute": 33, "second": 25}
